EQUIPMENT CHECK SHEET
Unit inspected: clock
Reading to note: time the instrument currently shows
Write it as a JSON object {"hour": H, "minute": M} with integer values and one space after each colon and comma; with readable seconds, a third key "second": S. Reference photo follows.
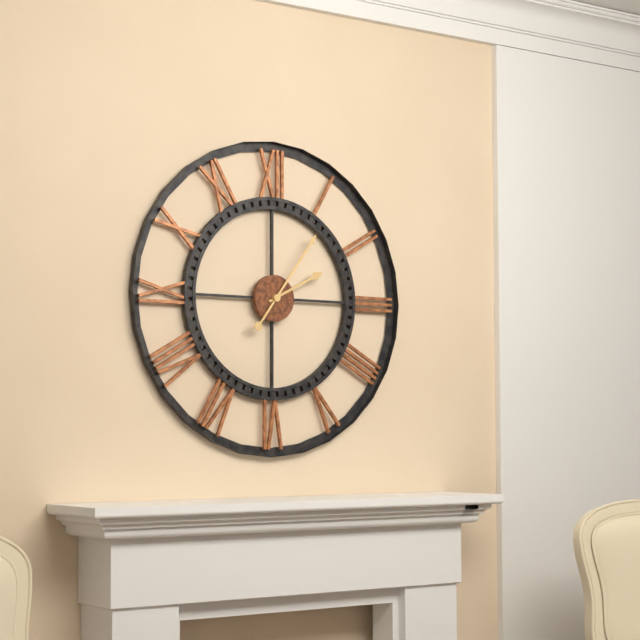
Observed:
{"hour": 2, "minute": 6}
